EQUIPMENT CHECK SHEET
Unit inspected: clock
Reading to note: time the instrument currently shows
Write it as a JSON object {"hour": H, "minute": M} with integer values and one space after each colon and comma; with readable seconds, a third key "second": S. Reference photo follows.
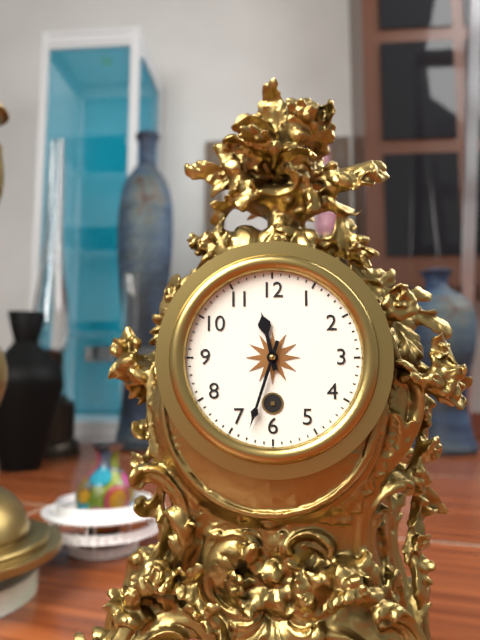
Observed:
{"hour": 11, "minute": 33}
